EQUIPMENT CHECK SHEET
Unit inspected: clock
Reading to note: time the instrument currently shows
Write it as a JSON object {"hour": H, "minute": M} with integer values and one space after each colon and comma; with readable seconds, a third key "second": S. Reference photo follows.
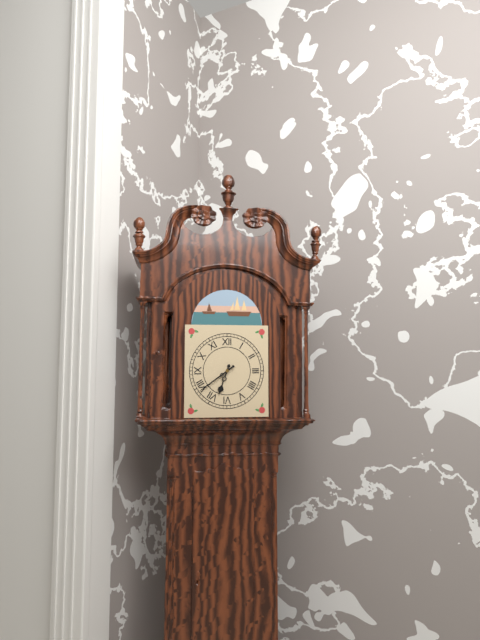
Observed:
{"hour": 6, "minute": 39}
